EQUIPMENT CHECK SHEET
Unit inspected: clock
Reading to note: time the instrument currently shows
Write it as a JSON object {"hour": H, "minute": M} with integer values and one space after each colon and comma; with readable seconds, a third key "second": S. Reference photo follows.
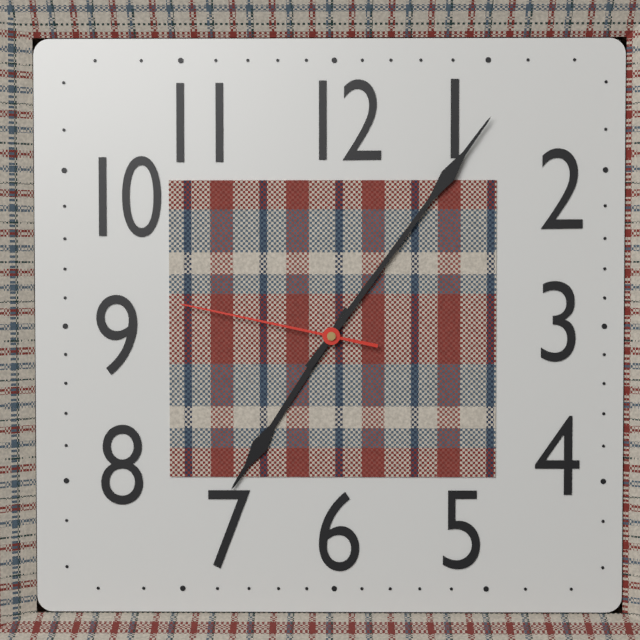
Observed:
{"hour": 7, "minute": 6, "second": 47}
